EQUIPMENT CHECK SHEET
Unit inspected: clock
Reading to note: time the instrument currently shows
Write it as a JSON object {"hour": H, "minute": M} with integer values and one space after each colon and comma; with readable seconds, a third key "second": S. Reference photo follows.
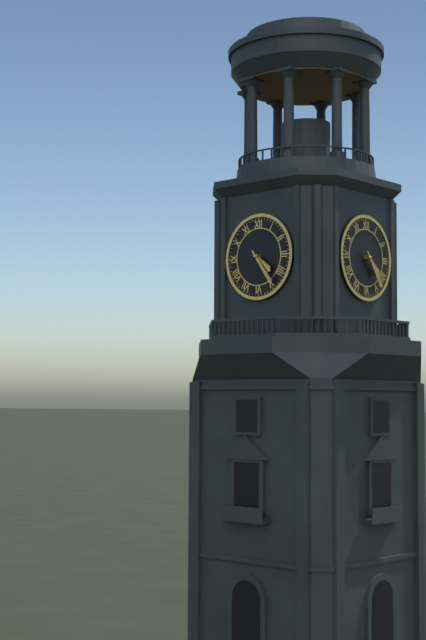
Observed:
{"hour": 4, "minute": 24}
